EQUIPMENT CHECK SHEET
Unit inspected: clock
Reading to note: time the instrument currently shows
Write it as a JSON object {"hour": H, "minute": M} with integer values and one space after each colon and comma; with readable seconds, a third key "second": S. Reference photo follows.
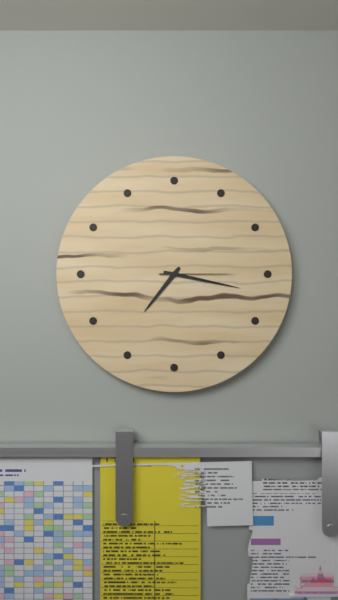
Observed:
{"hour": 7, "minute": 17, "second": 15}
